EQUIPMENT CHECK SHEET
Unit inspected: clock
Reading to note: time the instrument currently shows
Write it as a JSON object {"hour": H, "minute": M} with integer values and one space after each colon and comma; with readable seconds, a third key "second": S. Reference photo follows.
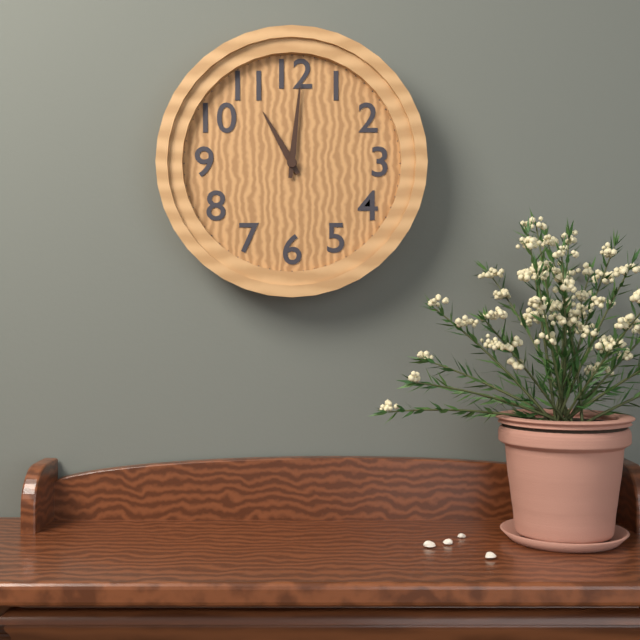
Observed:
{"hour": 11, "minute": 1}
